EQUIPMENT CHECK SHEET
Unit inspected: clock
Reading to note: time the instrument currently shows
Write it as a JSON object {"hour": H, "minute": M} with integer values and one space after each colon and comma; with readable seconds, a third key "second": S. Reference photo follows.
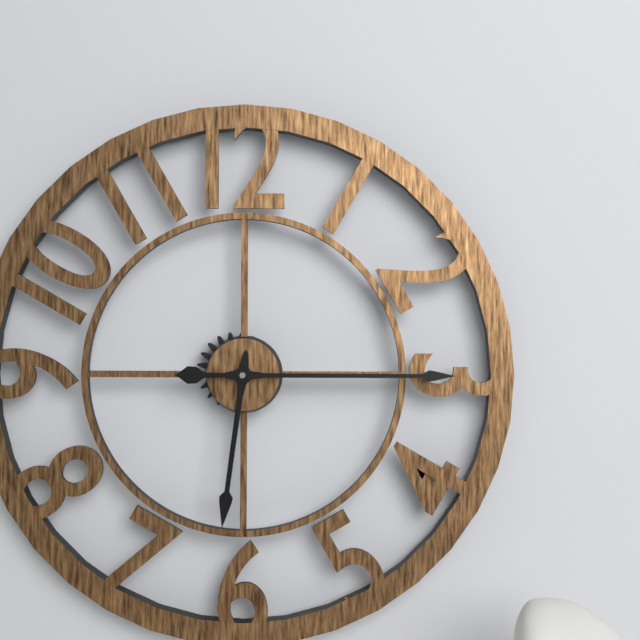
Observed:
{"hour": 6, "minute": 15}
